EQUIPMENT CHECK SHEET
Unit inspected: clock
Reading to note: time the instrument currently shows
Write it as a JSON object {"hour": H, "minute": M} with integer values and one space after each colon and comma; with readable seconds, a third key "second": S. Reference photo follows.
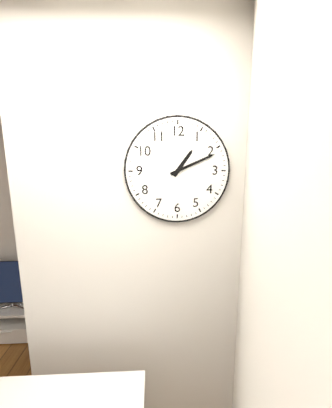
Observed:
{"hour": 1, "minute": 11}
